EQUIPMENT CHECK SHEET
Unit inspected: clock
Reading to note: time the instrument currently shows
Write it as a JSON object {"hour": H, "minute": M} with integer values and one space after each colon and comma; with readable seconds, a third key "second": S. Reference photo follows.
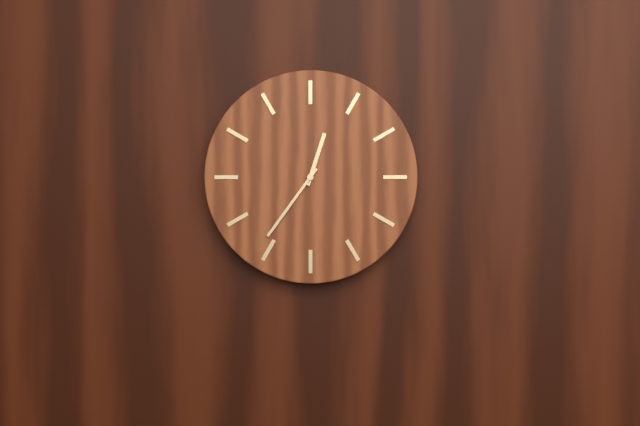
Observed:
{"hour": 12, "minute": 36}
